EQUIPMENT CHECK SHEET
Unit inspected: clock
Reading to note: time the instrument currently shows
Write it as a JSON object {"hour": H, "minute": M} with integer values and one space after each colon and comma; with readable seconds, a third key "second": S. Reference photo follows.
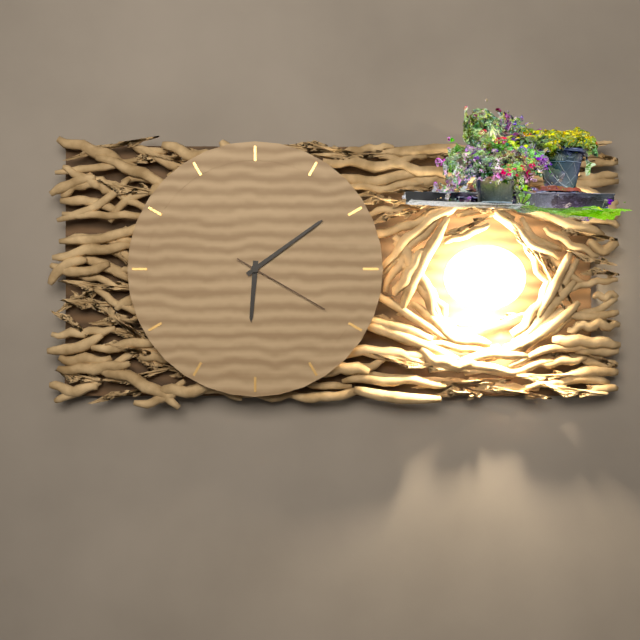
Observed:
{"hour": 6, "minute": 9, "second": 20}
